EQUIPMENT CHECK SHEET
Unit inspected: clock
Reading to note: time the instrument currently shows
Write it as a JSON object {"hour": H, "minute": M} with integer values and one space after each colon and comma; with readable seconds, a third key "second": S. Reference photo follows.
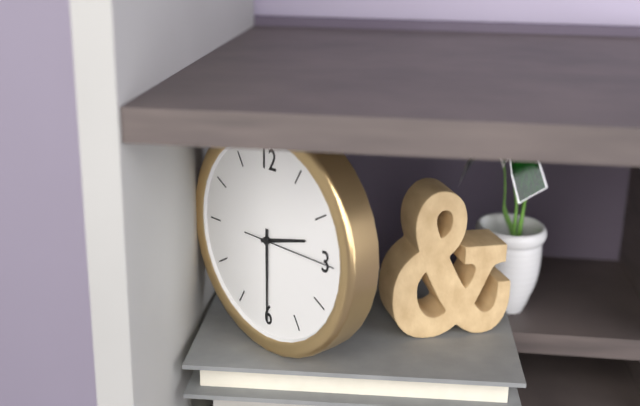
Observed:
{"hour": 2, "minute": 30, "second": 15}
